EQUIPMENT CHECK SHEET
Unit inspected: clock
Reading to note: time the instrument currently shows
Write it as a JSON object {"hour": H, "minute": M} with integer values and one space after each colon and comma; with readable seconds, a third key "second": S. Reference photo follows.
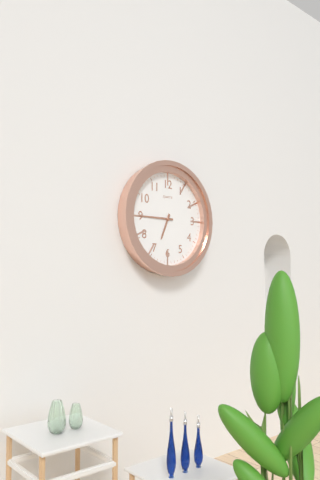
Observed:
{"hour": 6, "minute": 45}
